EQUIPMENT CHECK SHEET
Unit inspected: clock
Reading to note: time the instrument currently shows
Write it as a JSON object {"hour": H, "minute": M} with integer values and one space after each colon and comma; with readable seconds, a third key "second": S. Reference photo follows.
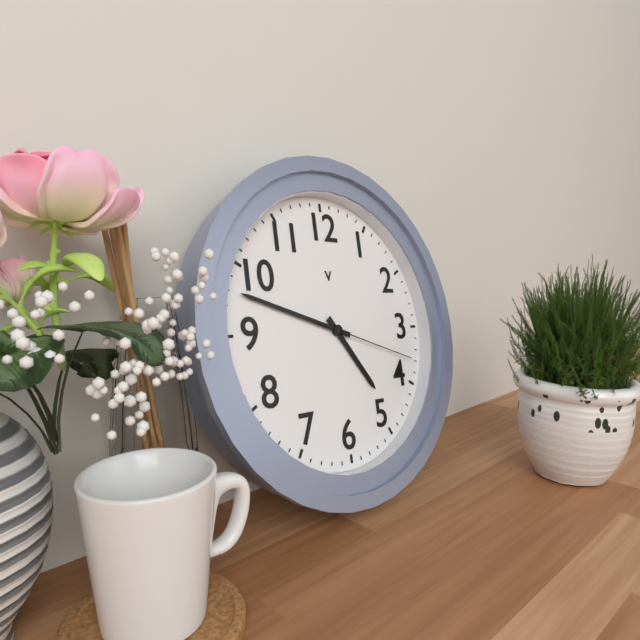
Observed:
{"hour": 4, "minute": 48, "second": 18}
